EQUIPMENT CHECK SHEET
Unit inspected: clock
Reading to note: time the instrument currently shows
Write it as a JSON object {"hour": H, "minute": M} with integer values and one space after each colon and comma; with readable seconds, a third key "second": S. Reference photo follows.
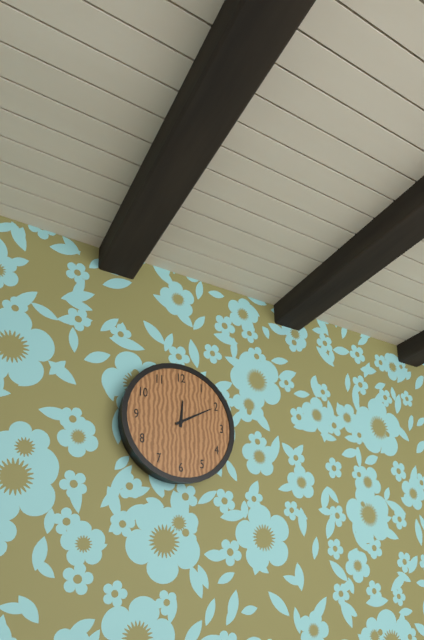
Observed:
{"hour": 12, "minute": 10}
